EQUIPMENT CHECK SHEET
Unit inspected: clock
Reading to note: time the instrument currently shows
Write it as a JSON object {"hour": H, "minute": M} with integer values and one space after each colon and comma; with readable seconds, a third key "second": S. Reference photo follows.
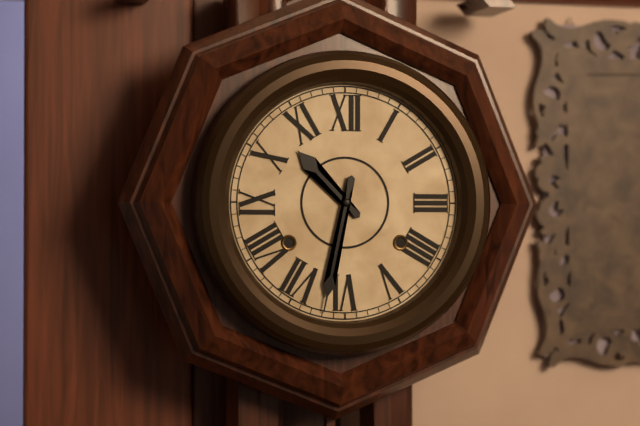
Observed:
{"hour": 10, "minute": 32}
